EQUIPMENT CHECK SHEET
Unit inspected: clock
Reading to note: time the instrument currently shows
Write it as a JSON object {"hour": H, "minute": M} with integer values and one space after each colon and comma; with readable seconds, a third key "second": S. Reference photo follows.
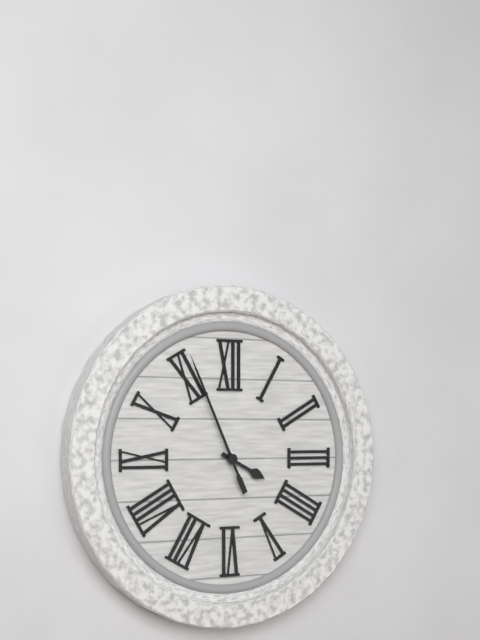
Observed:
{"hour": 3, "minute": 56}
